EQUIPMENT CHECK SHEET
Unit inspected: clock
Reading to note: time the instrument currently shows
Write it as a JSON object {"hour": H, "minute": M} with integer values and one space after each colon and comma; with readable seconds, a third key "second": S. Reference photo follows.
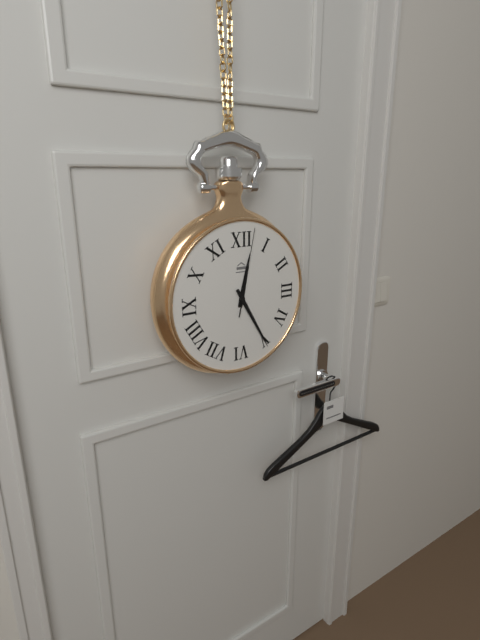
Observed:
{"hour": 12, "minute": 25, "second": 2}
